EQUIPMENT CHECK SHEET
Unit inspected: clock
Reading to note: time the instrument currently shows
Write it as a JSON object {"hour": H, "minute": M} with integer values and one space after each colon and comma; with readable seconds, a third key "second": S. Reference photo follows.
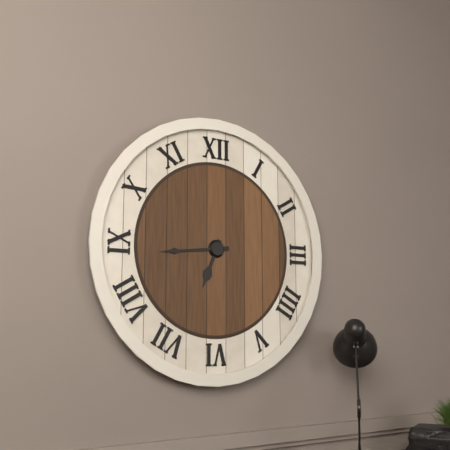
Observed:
{"hour": 6, "minute": 44}
